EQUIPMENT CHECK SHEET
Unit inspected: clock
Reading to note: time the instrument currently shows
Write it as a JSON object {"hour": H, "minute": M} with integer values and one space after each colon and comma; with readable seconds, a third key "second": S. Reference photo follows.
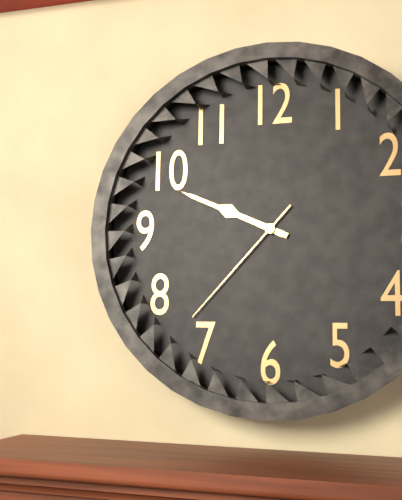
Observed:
{"hour": 9, "minute": 49, "second": 37}
